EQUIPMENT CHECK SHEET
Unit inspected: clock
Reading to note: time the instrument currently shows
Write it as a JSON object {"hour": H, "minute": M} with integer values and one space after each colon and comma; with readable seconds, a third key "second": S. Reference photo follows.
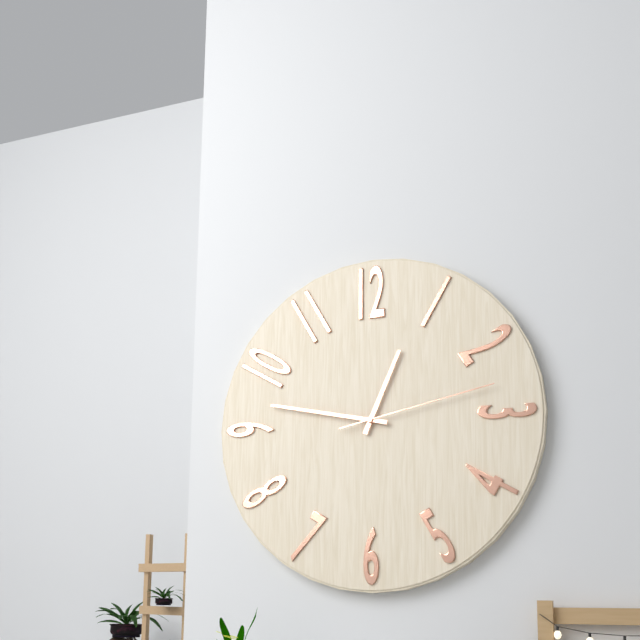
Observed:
{"hour": 12, "minute": 47, "second": 13}
